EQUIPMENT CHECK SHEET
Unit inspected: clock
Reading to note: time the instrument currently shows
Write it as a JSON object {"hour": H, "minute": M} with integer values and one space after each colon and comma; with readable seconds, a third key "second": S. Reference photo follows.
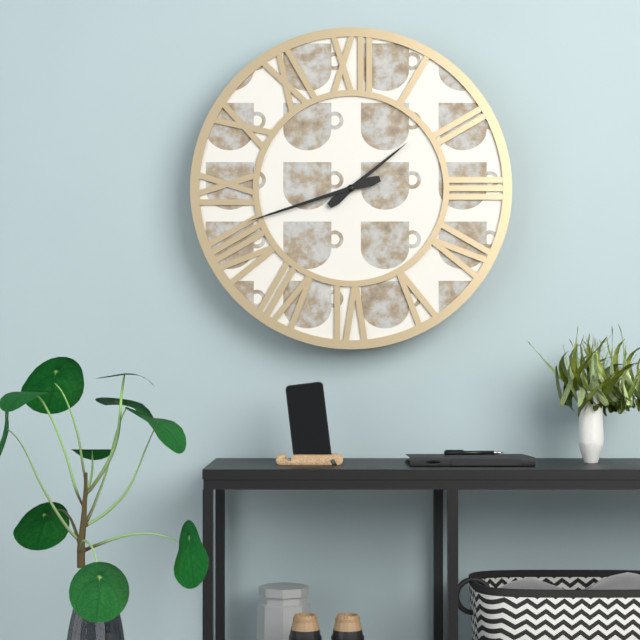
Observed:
{"hour": 1, "minute": 42}
